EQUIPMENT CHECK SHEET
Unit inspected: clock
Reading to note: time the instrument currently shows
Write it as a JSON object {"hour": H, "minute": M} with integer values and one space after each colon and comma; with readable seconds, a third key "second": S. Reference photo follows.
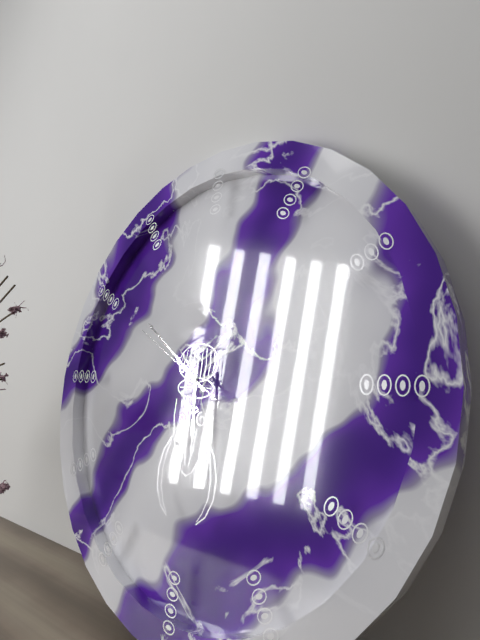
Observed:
{"hour": 5, "minute": 51, "second": 50}
